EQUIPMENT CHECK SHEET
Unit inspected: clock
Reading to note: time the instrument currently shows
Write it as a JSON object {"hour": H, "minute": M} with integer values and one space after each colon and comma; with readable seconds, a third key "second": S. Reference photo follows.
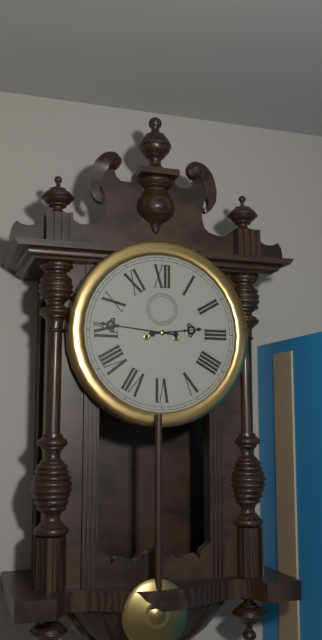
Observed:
{"hour": 2, "minute": 46}
